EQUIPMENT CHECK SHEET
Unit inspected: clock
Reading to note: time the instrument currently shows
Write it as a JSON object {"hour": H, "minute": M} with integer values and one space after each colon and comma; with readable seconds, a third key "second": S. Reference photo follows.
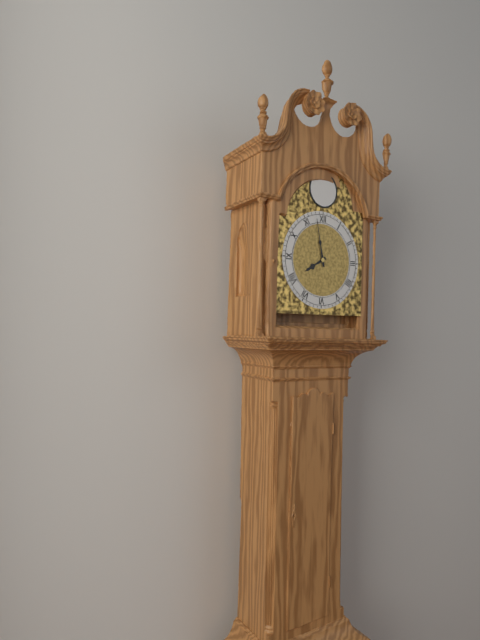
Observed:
{"hour": 7, "minute": 58}
